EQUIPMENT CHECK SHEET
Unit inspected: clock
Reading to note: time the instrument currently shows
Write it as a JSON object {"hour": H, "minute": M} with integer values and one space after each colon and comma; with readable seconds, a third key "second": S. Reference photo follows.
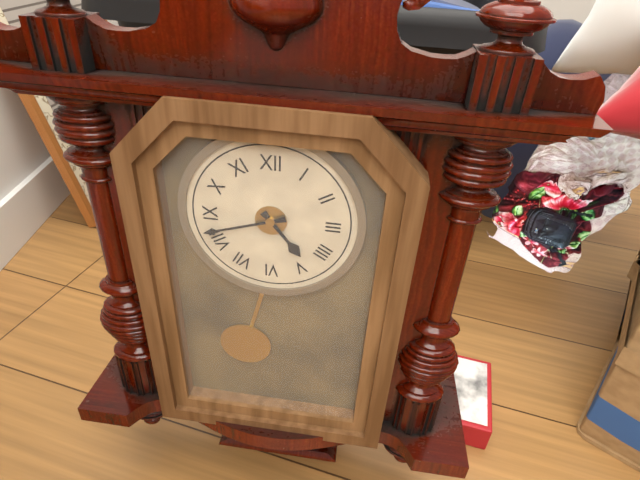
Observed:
{"hour": 4, "minute": 42}
